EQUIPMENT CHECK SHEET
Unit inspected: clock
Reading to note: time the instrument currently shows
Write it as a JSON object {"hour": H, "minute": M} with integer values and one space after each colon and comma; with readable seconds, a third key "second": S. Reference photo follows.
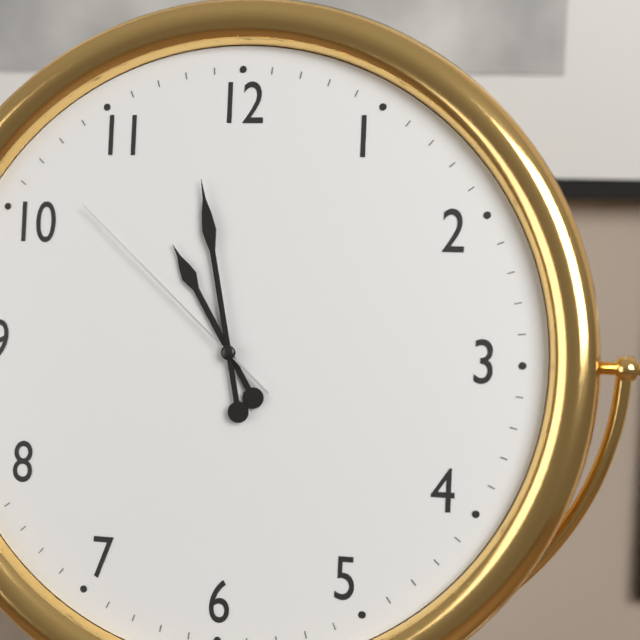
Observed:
{"hour": 10, "minute": 58, "second": 52}
